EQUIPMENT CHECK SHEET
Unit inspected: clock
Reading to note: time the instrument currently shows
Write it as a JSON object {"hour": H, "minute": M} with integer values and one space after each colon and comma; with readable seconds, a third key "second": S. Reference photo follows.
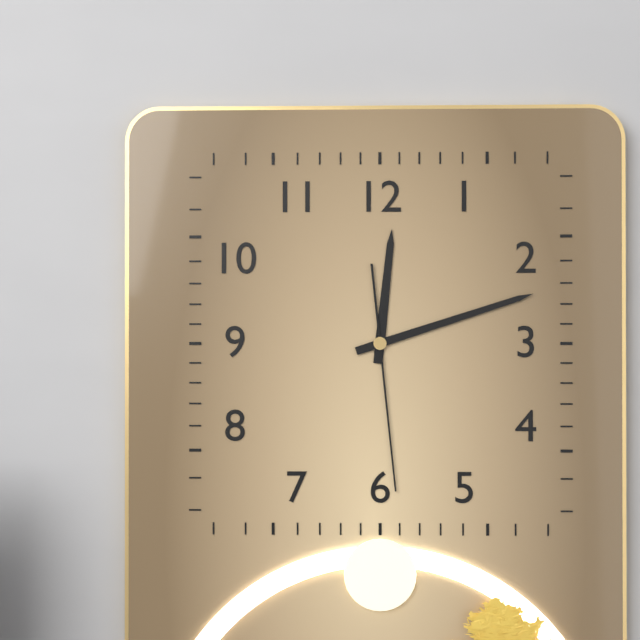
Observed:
{"hour": 12, "minute": 12, "second": 29}
